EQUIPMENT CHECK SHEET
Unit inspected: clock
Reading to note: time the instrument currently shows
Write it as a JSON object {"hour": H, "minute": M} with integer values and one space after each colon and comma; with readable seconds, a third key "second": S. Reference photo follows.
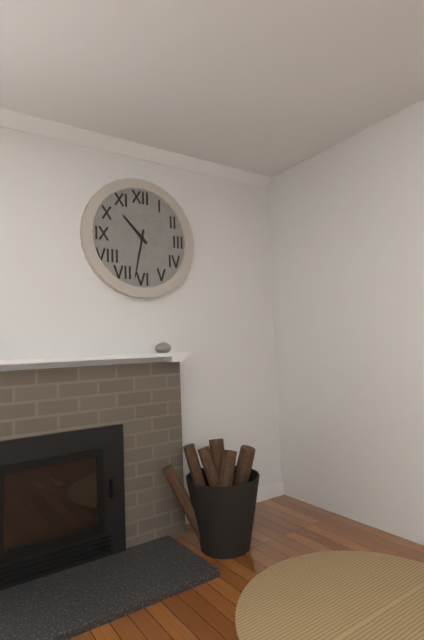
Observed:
{"hour": 10, "minute": 32}
